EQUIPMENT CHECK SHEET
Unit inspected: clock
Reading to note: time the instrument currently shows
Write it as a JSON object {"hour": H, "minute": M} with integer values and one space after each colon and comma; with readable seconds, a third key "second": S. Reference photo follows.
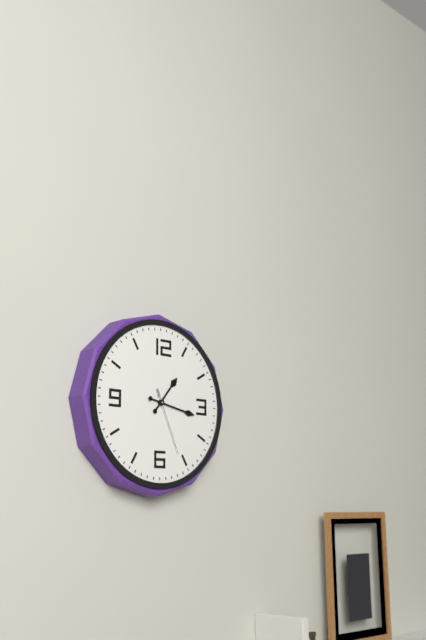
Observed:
{"hour": 1, "minute": 17, "second": 26}
